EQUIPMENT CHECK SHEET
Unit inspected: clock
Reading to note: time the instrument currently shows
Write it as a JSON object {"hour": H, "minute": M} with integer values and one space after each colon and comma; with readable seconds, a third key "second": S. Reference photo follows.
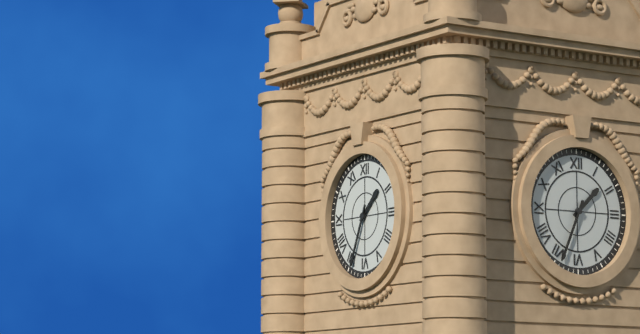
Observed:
{"hour": 1, "minute": 34}
